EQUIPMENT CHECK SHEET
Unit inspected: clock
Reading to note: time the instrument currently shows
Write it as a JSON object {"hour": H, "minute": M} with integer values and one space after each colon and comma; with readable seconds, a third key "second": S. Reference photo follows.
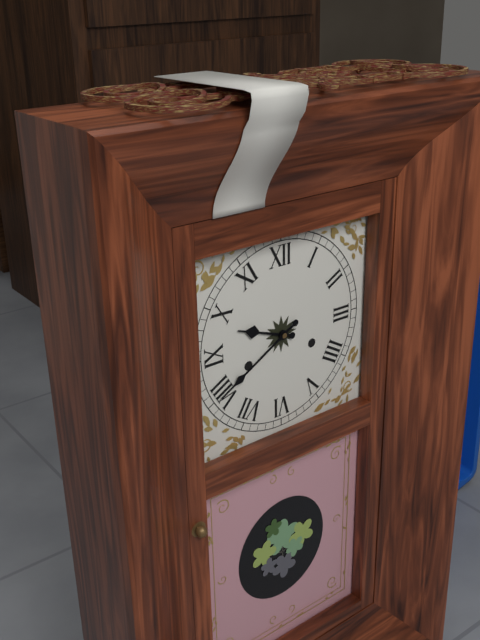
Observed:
{"hour": 9, "minute": 40}
